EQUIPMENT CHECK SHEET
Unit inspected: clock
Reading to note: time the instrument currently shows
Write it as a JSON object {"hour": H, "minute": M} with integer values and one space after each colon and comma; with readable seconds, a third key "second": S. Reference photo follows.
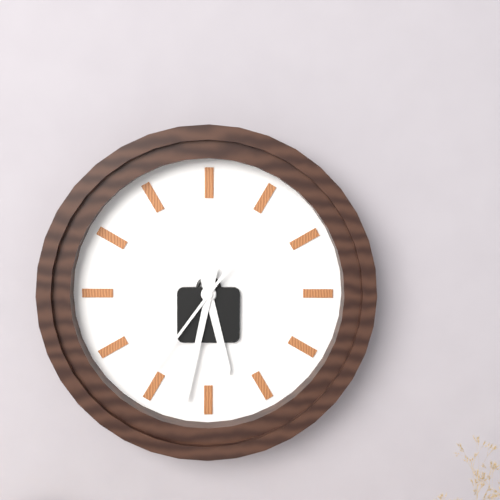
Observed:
{"hour": 5, "minute": 32, "second": 36}
